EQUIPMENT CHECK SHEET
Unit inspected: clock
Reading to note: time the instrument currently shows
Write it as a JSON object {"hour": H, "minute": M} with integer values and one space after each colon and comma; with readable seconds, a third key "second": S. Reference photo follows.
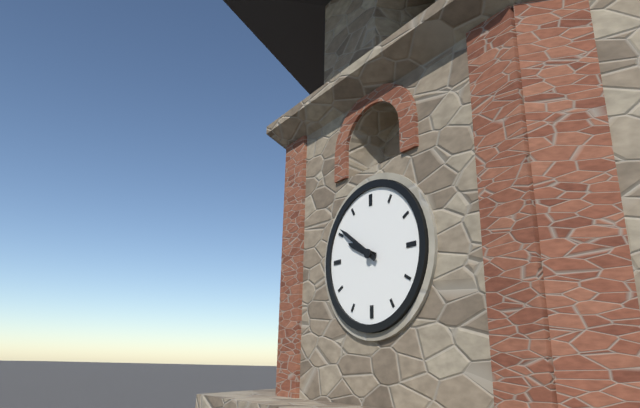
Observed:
{"hour": 9, "minute": 51}
